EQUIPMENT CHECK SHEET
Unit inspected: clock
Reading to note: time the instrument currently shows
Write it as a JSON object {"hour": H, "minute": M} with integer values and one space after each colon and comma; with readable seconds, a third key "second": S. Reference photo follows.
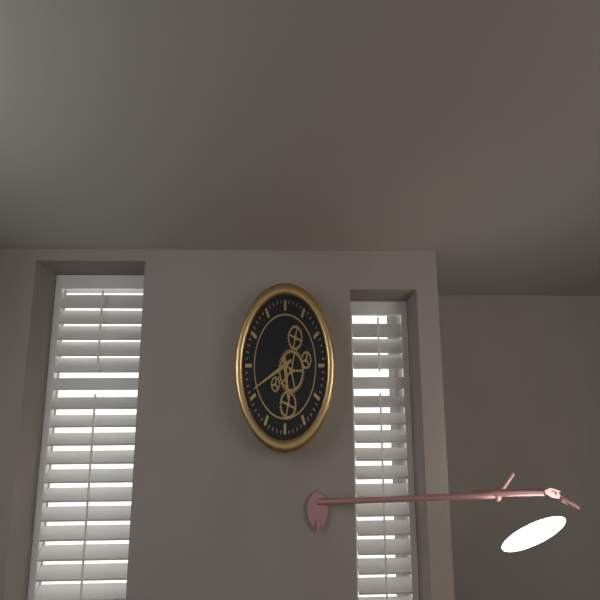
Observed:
{"hour": 5, "minute": 41}
